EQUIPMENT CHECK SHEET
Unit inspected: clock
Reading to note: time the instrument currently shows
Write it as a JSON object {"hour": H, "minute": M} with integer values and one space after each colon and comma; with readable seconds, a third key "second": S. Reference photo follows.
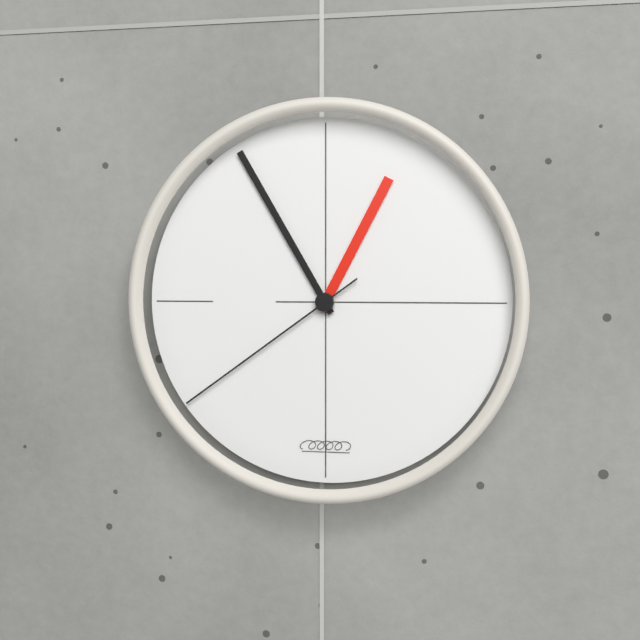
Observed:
{"hour": 12, "minute": 55, "second": 39}
